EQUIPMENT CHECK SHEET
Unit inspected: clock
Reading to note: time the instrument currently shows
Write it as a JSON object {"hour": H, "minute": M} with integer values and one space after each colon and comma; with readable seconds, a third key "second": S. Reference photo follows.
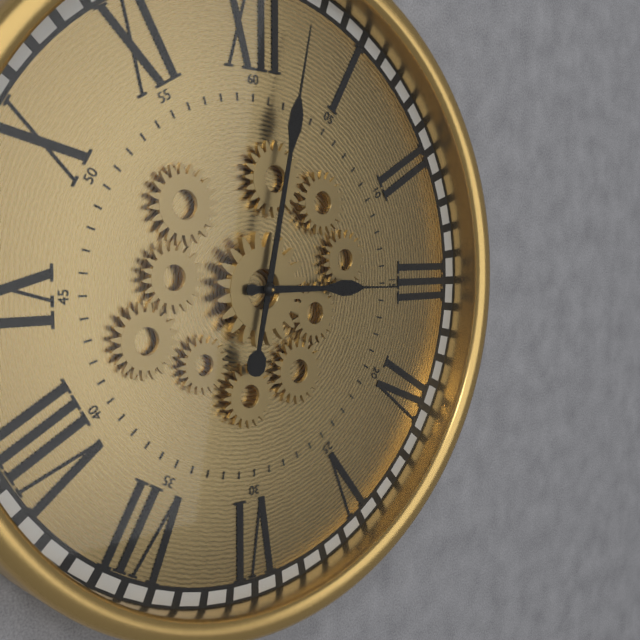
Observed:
{"hour": 3, "minute": 2}
